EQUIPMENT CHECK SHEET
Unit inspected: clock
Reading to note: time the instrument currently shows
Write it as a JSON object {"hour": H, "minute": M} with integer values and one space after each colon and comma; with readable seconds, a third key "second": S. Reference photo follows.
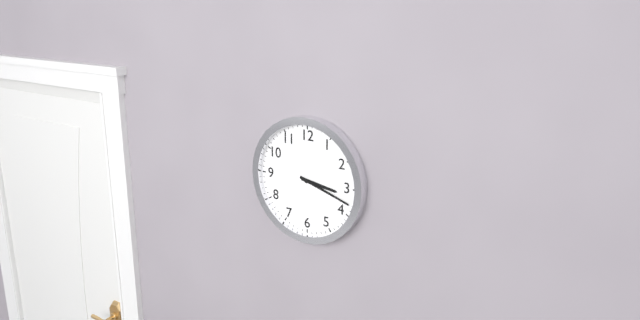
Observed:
{"hour": 3, "minute": 18}
